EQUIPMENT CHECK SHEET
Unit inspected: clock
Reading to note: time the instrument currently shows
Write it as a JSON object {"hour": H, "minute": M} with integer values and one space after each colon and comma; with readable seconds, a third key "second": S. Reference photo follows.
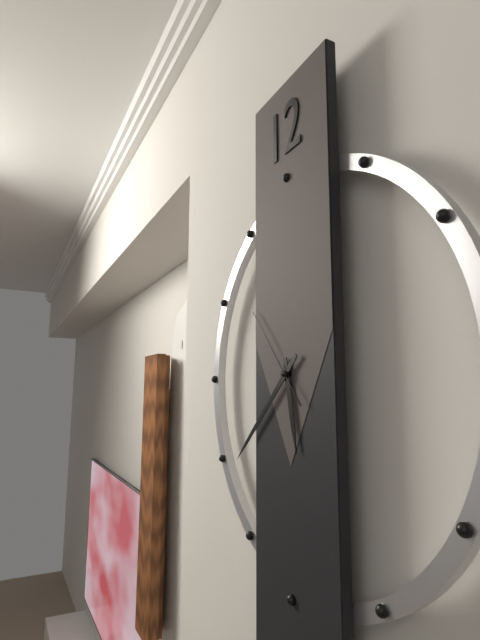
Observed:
{"hour": 5, "minute": 38, "second": 53}
